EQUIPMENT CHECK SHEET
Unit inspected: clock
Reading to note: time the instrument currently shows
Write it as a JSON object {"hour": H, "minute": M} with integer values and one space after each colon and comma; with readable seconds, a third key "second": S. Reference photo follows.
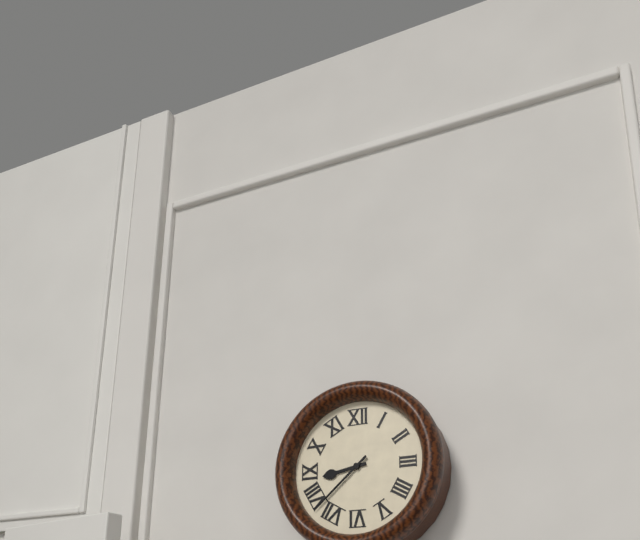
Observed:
{"hour": 8, "minute": 38}
